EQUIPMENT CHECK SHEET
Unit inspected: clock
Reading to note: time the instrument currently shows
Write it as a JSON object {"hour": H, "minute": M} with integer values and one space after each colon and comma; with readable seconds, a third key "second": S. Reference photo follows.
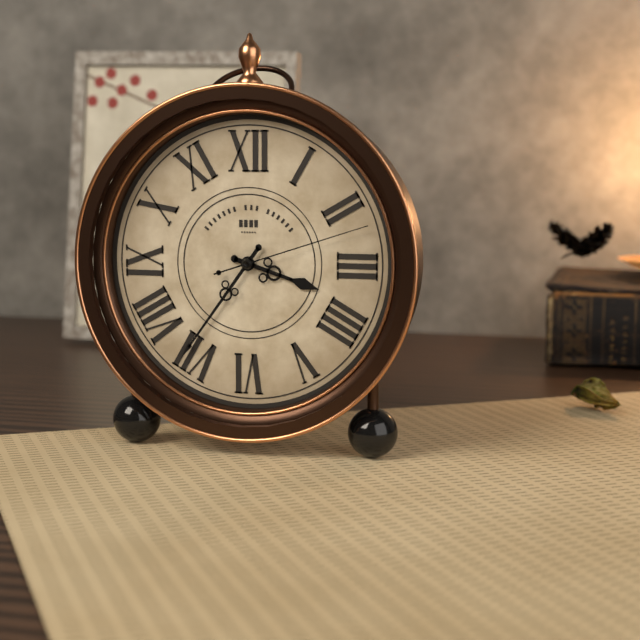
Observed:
{"hour": 3, "minute": 36, "second": 12}
